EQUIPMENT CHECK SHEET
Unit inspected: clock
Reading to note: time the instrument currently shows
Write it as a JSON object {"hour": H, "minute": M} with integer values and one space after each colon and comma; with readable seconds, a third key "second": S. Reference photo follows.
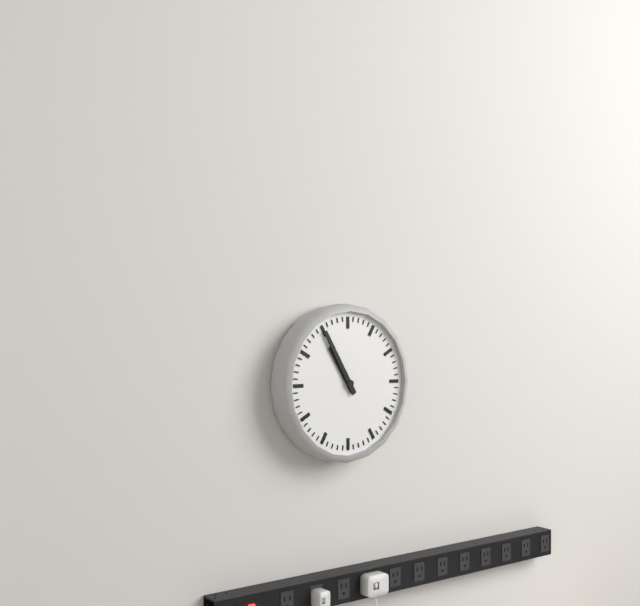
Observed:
{"hour": 10, "minute": 55}
